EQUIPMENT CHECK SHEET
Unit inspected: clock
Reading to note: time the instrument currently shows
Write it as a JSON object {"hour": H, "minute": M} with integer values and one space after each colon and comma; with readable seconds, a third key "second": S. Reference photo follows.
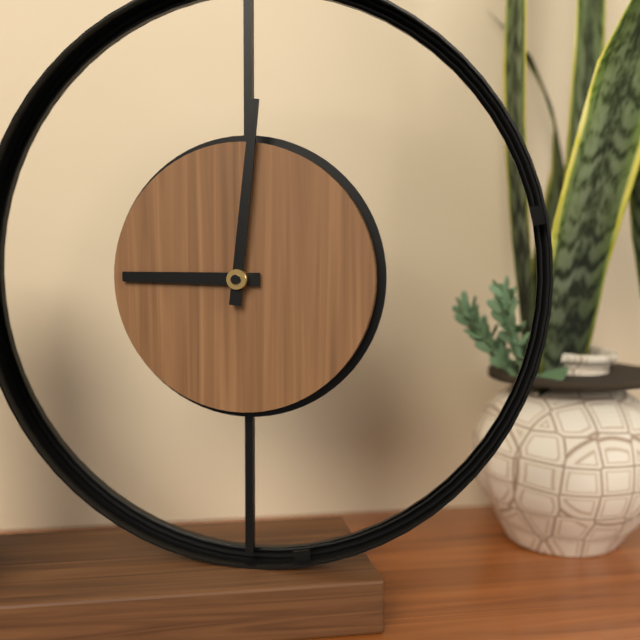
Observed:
{"hour": 9, "minute": 1}
